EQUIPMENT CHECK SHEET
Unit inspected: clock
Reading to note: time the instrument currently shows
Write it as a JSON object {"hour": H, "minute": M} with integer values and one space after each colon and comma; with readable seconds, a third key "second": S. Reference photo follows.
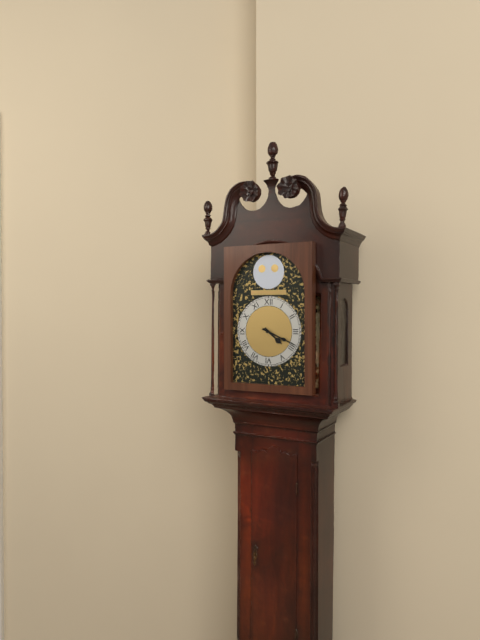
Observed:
{"hour": 4, "minute": 19}
